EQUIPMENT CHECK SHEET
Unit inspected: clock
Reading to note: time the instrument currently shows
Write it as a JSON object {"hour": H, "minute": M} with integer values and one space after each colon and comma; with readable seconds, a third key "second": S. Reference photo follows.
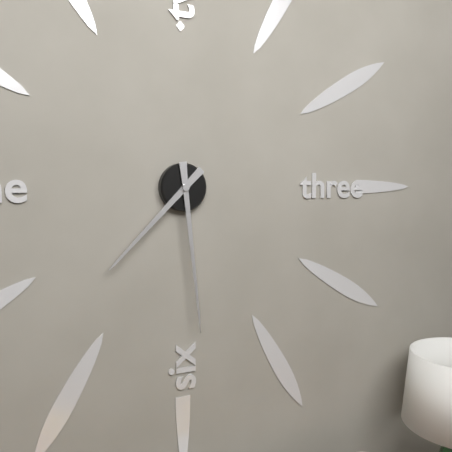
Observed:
{"hour": 7, "minute": 29}
